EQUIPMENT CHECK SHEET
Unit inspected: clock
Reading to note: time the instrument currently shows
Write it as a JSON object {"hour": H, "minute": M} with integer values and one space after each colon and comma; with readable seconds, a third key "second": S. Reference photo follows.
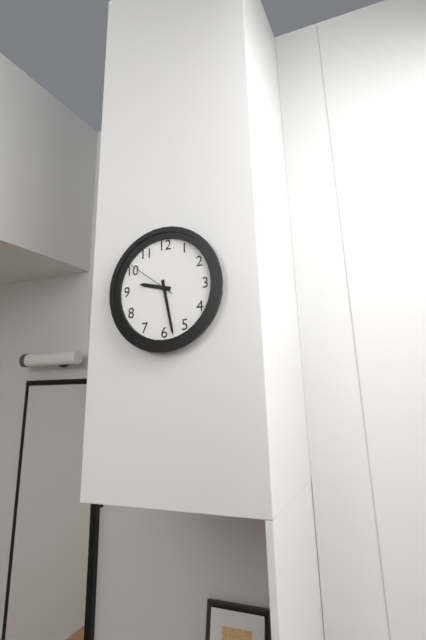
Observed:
{"hour": 9, "minute": 28, "second": 51}
